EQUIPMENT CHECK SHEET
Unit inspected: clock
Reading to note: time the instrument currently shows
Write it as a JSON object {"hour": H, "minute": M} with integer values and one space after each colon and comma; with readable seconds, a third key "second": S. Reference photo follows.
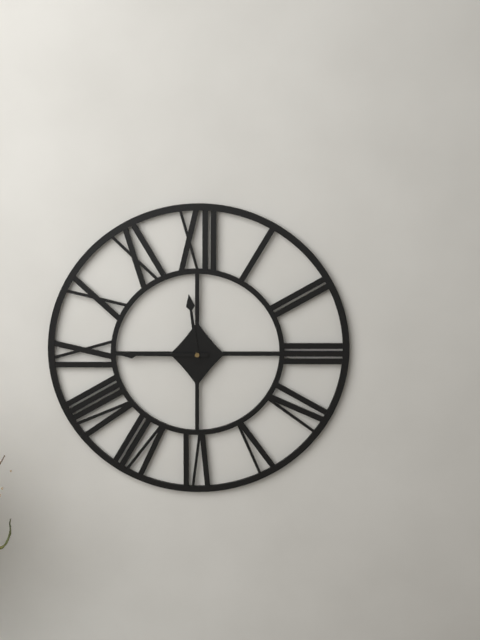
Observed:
{"hour": 11, "minute": 45}
